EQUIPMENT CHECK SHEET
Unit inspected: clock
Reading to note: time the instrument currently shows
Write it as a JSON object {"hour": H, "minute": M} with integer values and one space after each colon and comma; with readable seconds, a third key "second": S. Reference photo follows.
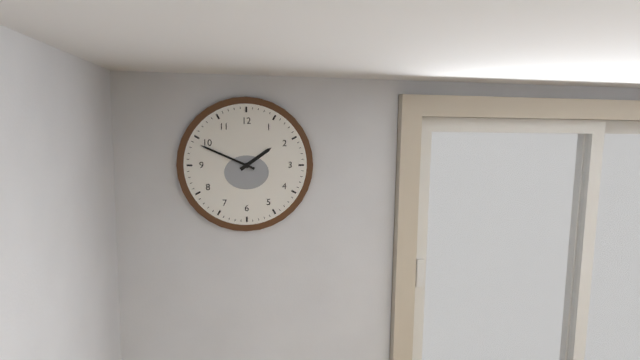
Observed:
{"hour": 1, "minute": 49}
